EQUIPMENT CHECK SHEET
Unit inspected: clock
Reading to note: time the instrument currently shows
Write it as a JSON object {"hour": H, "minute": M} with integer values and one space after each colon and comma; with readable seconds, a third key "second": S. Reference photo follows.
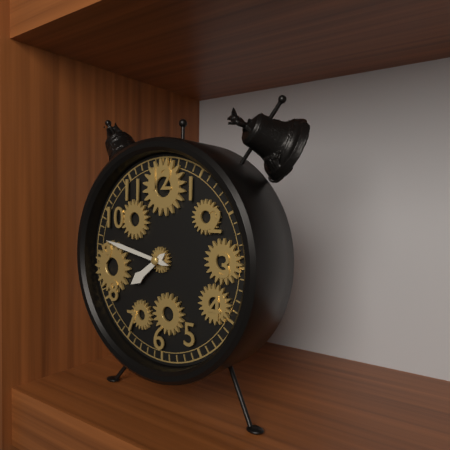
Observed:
{"hour": 7, "minute": 47}
